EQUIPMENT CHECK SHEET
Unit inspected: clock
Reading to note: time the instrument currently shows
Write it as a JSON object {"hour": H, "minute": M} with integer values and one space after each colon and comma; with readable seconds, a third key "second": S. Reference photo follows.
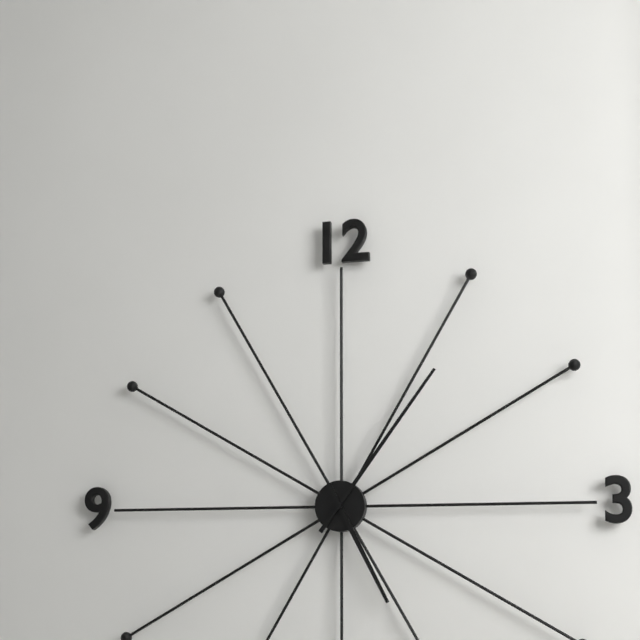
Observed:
{"hour": 5, "minute": 6}
